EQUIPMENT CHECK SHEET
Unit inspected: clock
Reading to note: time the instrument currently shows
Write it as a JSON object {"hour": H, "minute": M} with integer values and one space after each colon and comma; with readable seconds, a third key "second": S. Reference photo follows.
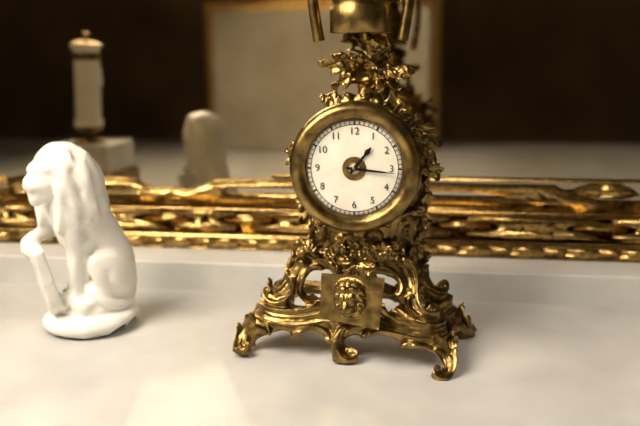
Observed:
{"hour": 1, "minute": 16}
